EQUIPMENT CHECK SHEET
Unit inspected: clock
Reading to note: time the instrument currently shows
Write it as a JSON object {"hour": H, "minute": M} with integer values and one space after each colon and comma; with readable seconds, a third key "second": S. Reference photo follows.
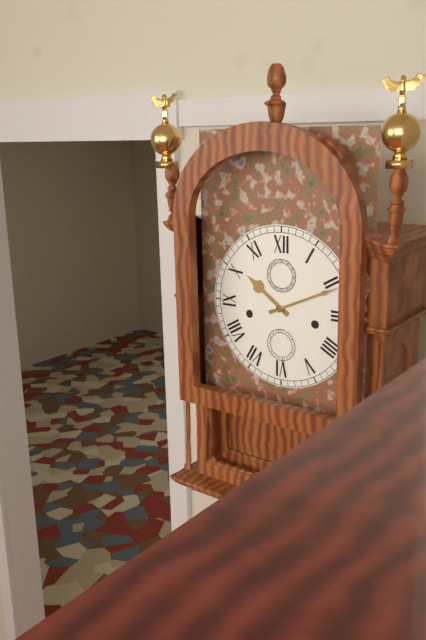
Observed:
{"hour": 10, "minute": 11}
